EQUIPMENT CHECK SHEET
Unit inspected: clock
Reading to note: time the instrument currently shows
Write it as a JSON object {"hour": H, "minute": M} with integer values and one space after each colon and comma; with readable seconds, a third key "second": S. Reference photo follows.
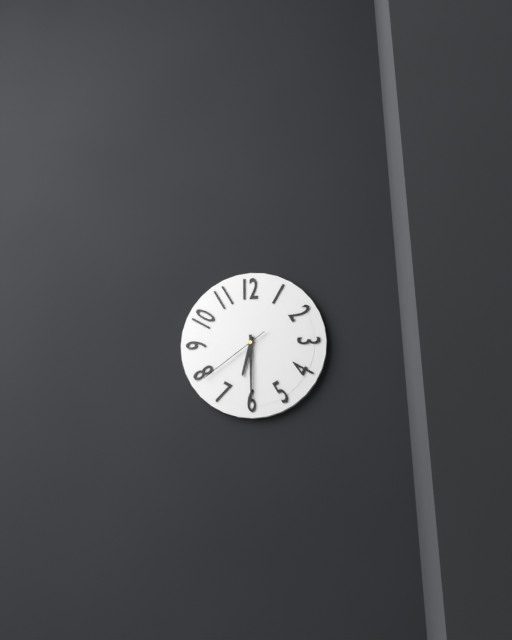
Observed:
{"hour": 6, "minute": 30, "second": 39}
